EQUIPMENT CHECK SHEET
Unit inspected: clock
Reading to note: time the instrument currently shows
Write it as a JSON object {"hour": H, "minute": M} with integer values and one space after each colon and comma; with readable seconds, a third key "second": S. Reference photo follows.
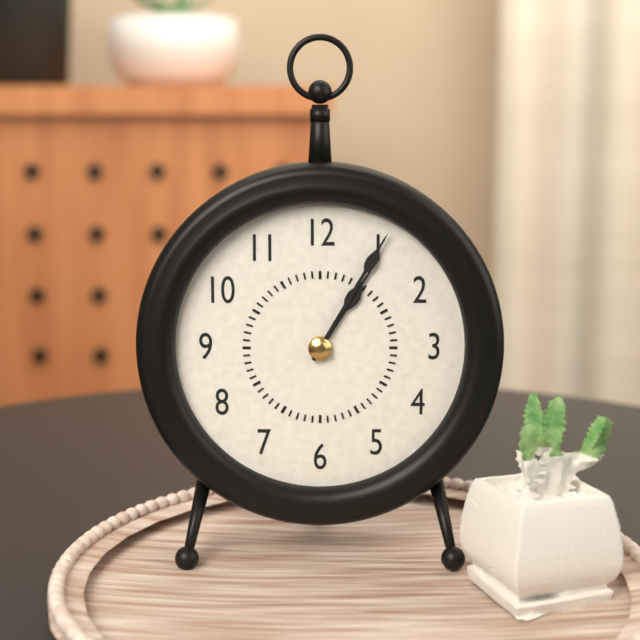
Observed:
{"hour": 1, "minute": 5}
